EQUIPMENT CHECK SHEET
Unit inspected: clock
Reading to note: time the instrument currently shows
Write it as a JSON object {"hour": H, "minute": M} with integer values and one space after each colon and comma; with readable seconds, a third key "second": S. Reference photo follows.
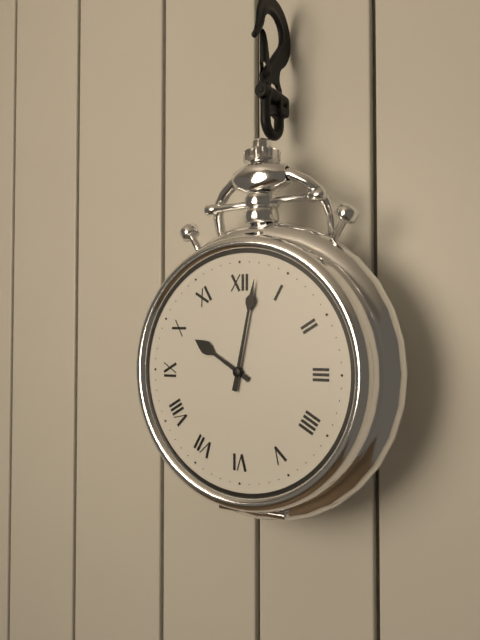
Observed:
{"hour": 10, "minute": 2}
